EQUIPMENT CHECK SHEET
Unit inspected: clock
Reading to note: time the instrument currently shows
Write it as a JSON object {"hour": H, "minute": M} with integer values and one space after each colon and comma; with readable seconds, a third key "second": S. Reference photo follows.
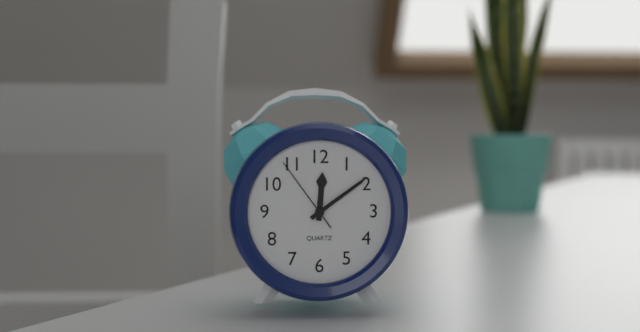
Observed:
{"hour": 12, "minute": 9, "second": 54}
